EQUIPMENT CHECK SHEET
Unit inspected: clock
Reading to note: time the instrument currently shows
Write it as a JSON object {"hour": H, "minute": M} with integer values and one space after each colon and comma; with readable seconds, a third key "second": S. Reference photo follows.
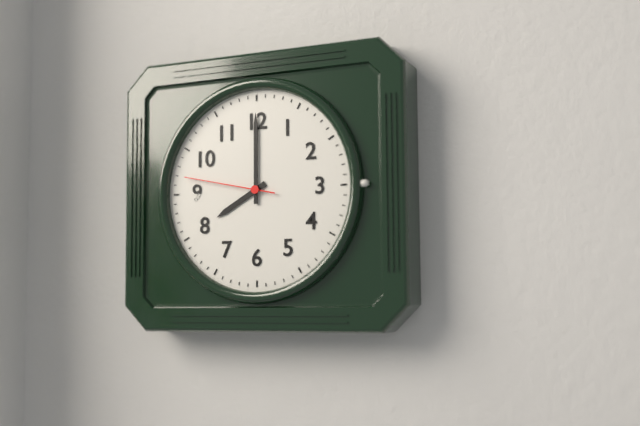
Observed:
{"hour": 8, "minute": 0, "second": 47}
